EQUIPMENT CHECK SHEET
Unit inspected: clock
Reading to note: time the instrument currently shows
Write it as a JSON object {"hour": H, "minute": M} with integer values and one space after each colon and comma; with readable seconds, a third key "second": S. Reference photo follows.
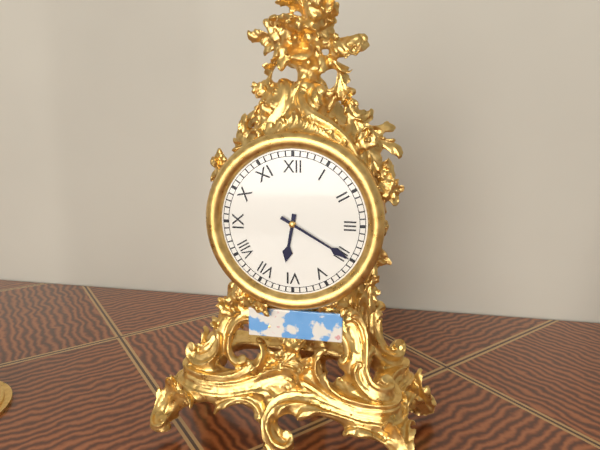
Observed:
{"hour": 6, "minute": 20}
